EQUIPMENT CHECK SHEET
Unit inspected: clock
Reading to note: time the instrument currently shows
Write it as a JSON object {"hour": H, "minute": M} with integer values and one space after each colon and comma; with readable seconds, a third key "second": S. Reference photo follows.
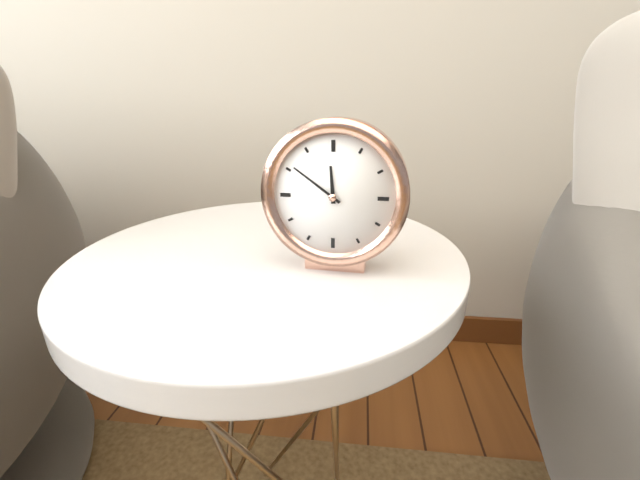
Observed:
{"hour": 11, "minute": 51}
